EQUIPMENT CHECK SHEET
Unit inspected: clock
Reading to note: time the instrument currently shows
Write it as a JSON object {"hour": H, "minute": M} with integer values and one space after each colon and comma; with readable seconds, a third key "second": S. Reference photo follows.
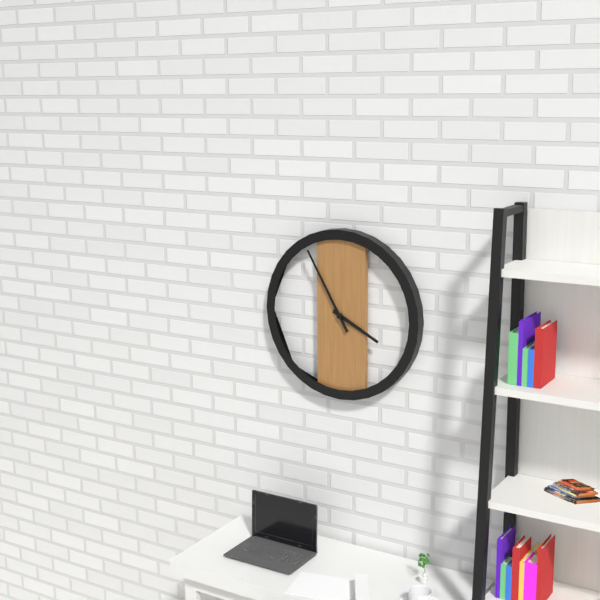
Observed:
{"hour": 3, "minute": 55}
